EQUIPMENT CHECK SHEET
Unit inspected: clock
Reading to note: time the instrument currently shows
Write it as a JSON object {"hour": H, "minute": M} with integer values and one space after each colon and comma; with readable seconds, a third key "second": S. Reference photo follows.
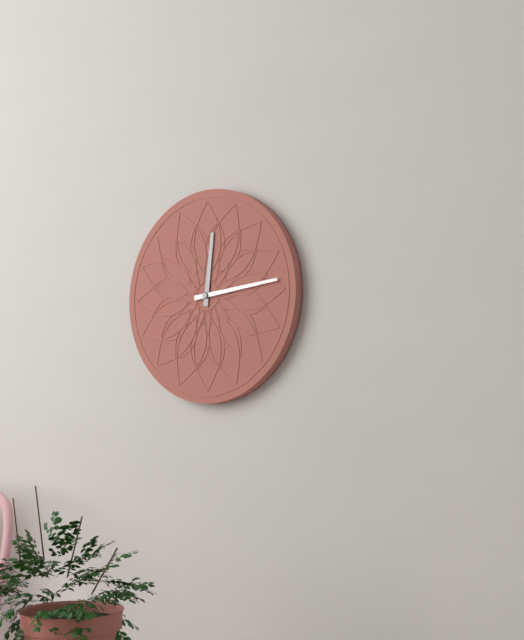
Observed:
{"hour": 12, "minute": 14}
